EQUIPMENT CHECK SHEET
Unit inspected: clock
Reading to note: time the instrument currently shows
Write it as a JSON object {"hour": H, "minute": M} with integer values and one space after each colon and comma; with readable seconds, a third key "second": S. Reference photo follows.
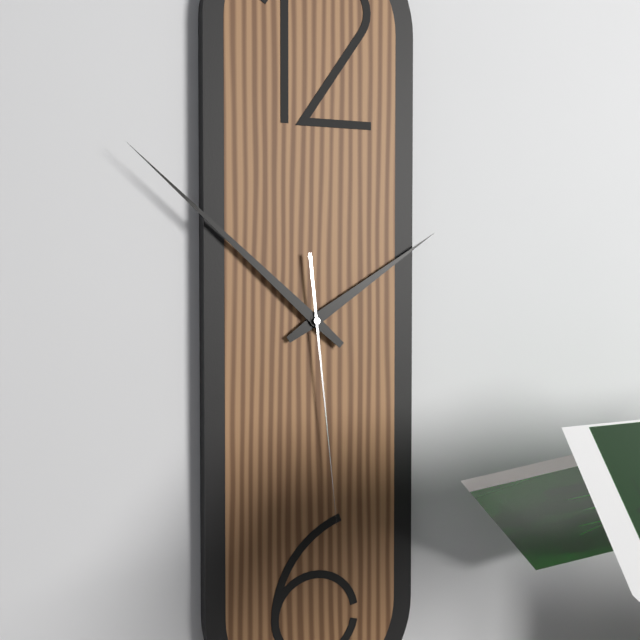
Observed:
{"hour": 1, "minute": 52, "second": 29}
